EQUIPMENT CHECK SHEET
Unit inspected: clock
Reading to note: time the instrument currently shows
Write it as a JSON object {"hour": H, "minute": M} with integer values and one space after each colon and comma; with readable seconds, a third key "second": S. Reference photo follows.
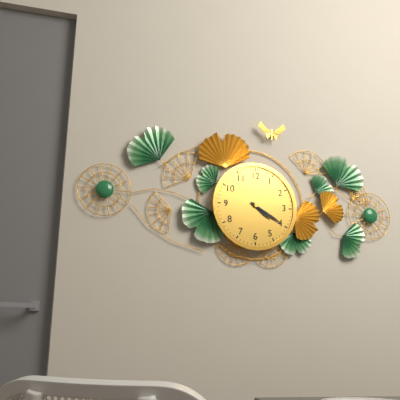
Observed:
{"hour": 4, "minute": 20}
